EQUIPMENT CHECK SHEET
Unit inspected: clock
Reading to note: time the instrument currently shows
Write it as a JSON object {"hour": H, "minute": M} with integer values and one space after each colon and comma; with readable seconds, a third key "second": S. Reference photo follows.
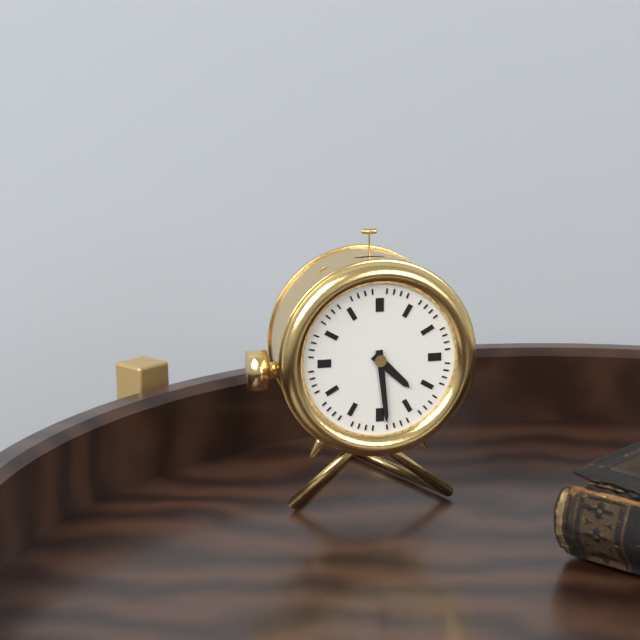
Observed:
{"hour": 4, "minute": 29}
